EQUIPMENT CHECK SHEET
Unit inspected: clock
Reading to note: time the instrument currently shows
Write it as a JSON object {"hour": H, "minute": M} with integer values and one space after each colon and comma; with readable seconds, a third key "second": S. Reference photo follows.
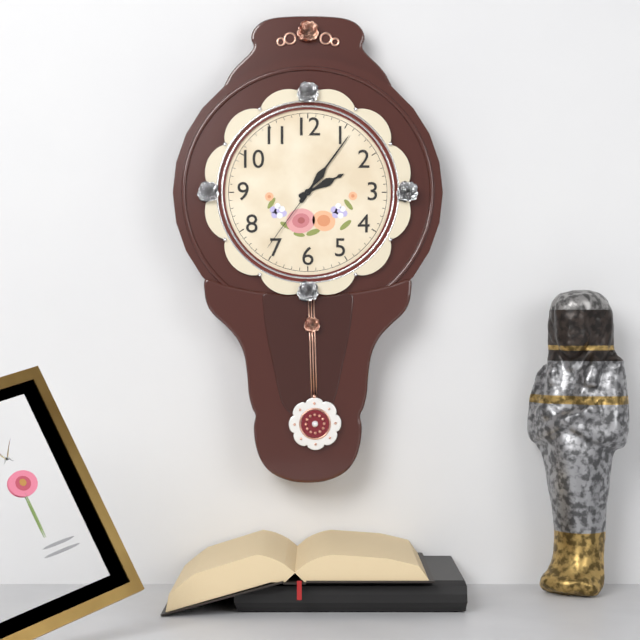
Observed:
{"hour": 2, "minute": 6, "second": 36}
